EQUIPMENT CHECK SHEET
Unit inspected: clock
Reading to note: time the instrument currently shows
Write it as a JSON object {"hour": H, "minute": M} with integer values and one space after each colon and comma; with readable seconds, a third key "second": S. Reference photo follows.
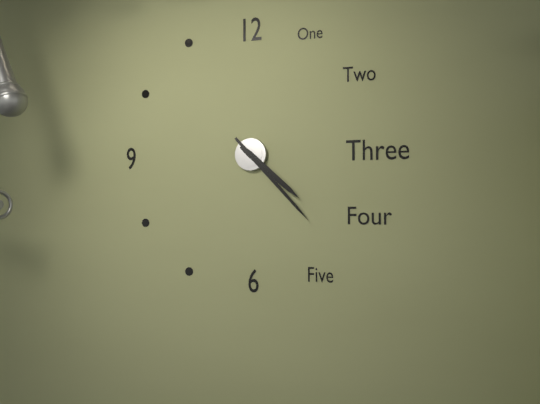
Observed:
{"hour": 4, "minute": 23}
